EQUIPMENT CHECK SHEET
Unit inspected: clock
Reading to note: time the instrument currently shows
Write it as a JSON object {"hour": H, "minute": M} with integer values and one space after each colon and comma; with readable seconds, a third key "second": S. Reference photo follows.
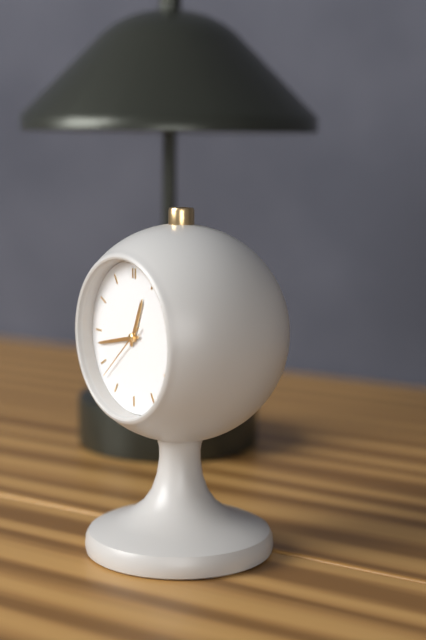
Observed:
{"hour": 12, "minute": 43, "second": 38}
